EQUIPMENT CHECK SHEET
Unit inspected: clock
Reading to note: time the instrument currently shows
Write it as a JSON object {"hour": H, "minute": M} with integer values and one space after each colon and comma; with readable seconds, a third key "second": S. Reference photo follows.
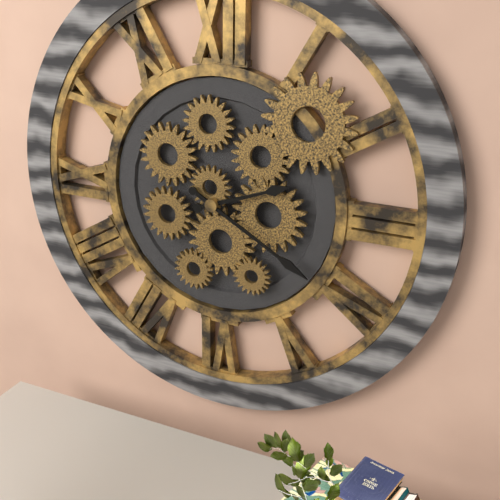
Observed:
{"hour": 2, "minute": 20}
